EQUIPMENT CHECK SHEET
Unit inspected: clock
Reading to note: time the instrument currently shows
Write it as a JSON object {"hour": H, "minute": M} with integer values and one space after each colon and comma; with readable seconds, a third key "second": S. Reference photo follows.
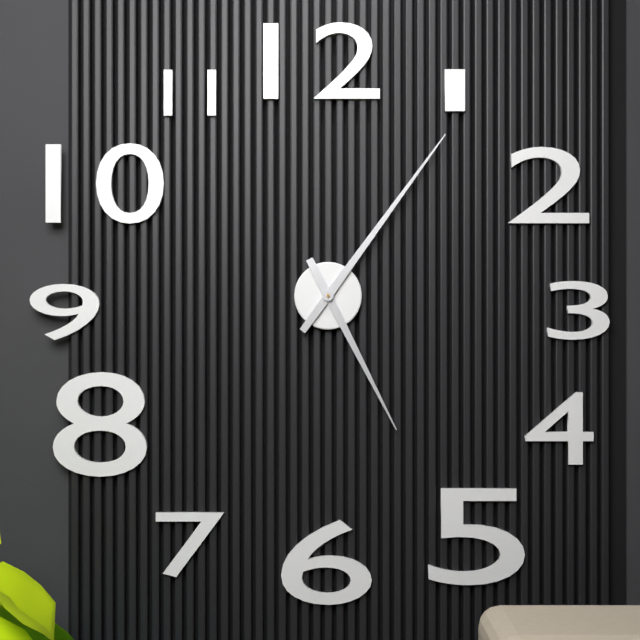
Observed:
{"hour": 5, "minute": 6}
